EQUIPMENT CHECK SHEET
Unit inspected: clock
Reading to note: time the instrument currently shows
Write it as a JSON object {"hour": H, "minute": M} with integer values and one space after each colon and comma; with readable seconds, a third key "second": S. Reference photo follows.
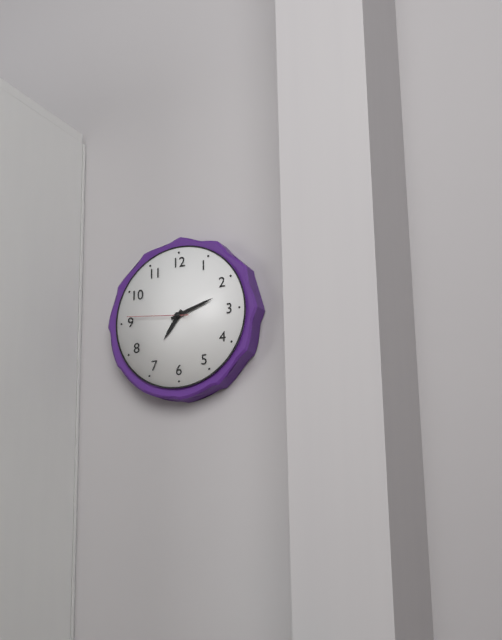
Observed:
{"hour": 7, "minute": 12, "second": 46}
